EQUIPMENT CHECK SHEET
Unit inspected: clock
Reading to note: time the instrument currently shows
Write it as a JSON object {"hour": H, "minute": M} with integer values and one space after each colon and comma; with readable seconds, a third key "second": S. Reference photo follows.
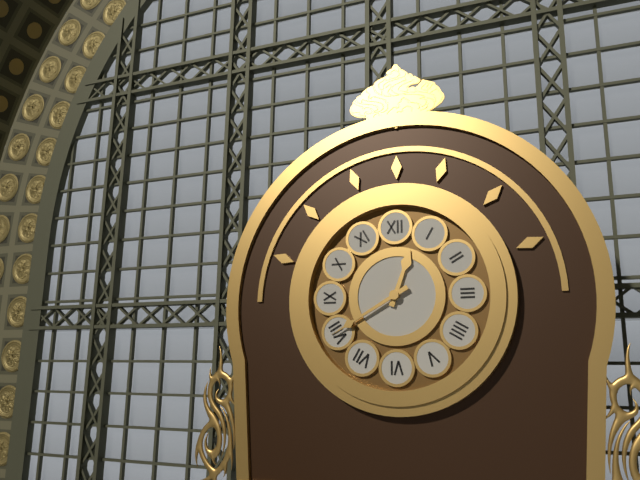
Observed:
{"hour": 12, "minute": 40}
